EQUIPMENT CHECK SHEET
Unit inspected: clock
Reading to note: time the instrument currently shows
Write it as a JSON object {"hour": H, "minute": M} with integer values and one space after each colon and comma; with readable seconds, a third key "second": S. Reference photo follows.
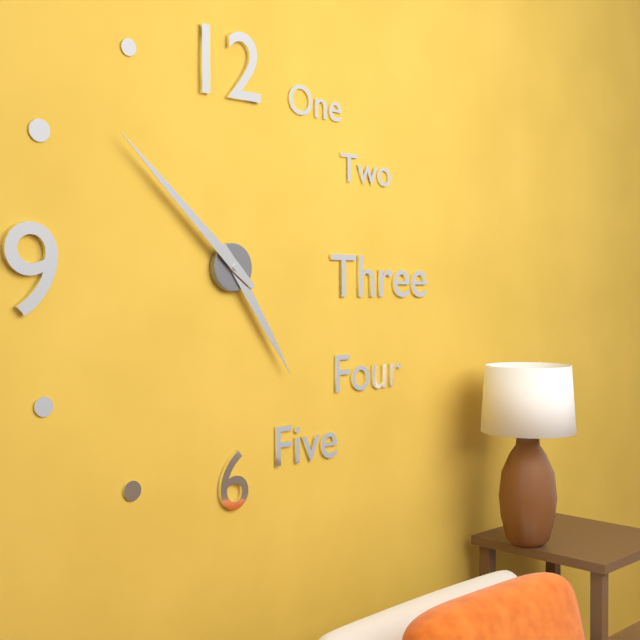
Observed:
{"hour": 4, "minute": 52}
